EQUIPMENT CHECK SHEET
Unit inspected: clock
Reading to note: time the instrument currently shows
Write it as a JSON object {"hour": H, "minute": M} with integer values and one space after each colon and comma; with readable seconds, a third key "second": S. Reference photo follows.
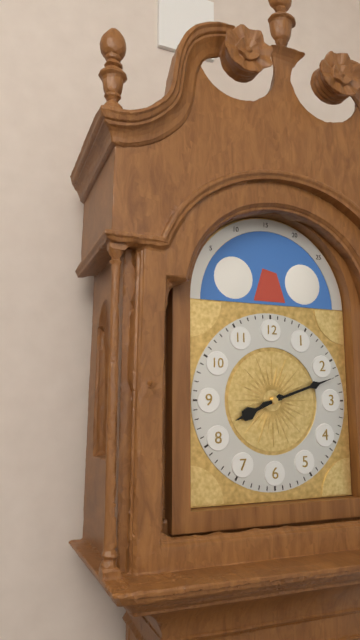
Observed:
{"hour": 8, "minute": 12}
